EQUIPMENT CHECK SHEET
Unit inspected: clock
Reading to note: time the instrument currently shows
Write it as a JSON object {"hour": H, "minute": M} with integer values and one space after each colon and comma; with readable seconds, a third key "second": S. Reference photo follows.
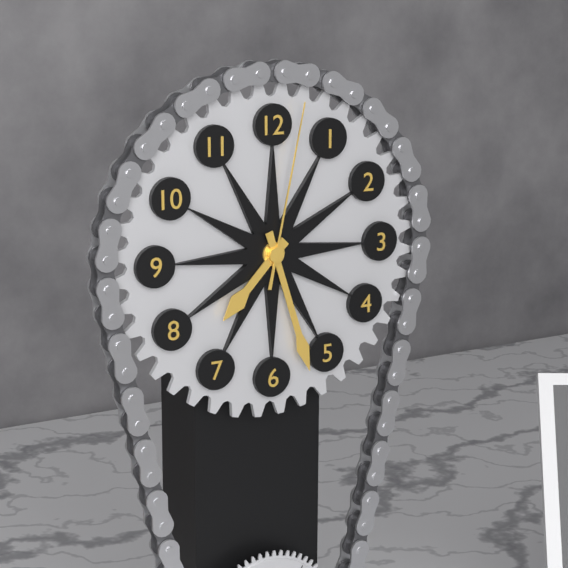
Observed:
{"hour": 7, "minute": 27, "second": 2}
